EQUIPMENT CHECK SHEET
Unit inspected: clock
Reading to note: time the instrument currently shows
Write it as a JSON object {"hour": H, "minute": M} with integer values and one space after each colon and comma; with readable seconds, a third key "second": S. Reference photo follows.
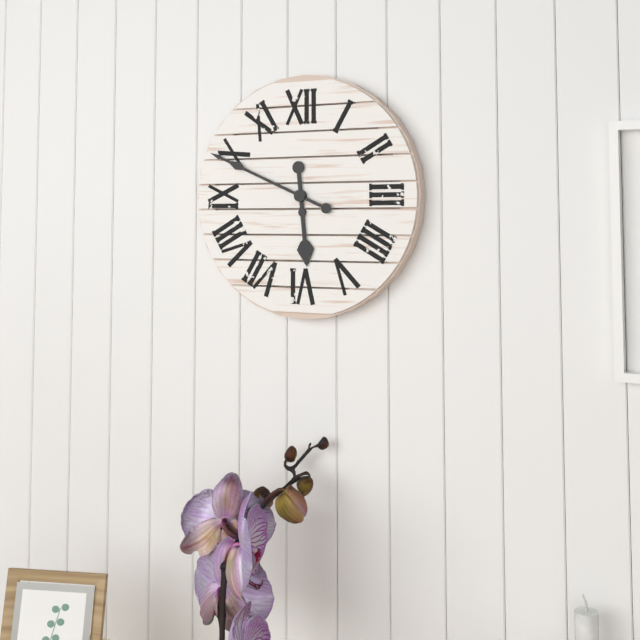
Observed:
{"hour": 5, "minute": 49}
